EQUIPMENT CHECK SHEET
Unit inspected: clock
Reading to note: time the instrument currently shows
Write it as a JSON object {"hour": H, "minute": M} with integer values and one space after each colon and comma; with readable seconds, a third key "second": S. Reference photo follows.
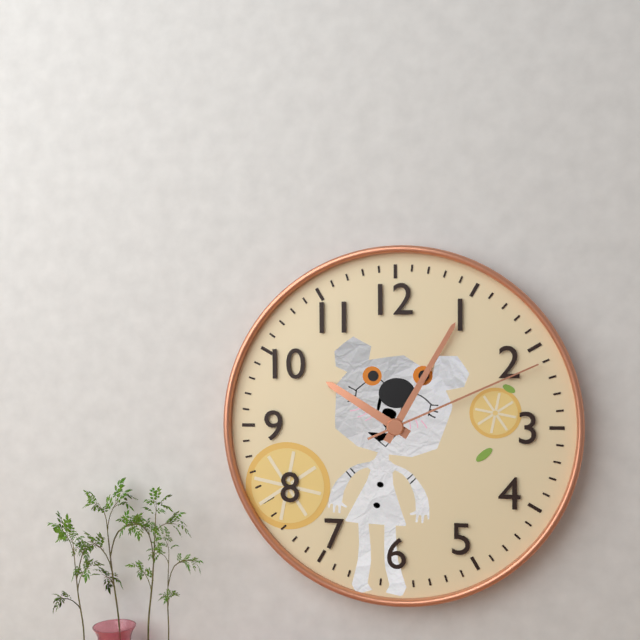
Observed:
{"hour": 10, "minute": 5, "second": 11}
